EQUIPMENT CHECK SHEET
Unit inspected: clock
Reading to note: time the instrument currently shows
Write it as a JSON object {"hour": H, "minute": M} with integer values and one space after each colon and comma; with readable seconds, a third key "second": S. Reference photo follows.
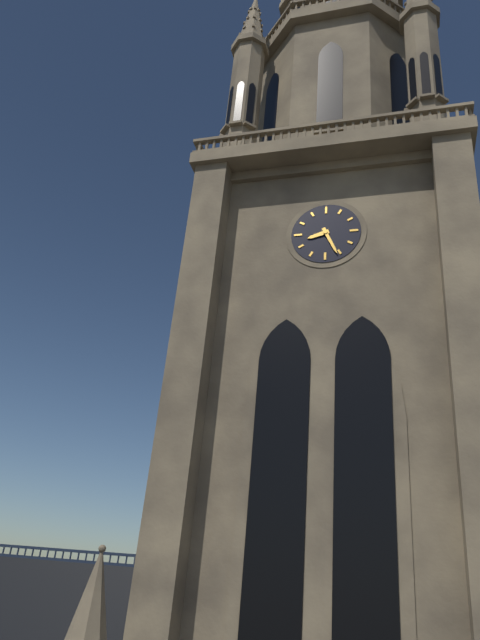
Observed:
{"hour": 8, "minute": 26}
